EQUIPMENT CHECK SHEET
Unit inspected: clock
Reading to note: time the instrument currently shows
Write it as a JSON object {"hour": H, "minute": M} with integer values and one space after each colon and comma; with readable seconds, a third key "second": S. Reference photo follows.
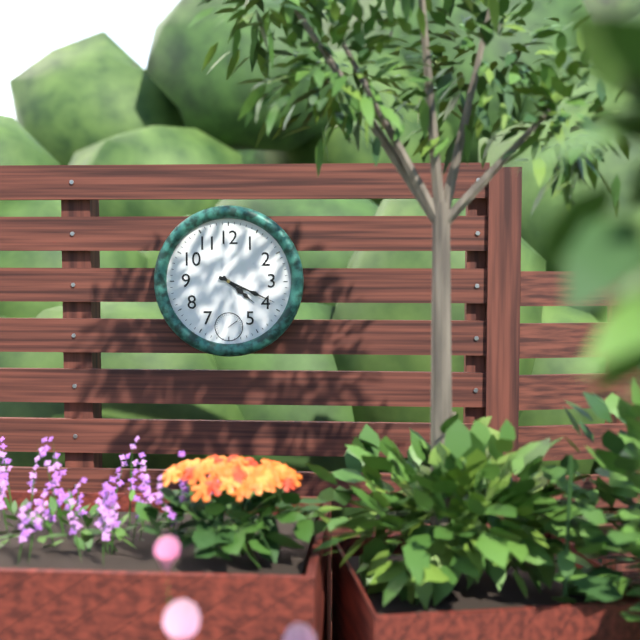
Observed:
{"hour": 4, "minute": 19}
